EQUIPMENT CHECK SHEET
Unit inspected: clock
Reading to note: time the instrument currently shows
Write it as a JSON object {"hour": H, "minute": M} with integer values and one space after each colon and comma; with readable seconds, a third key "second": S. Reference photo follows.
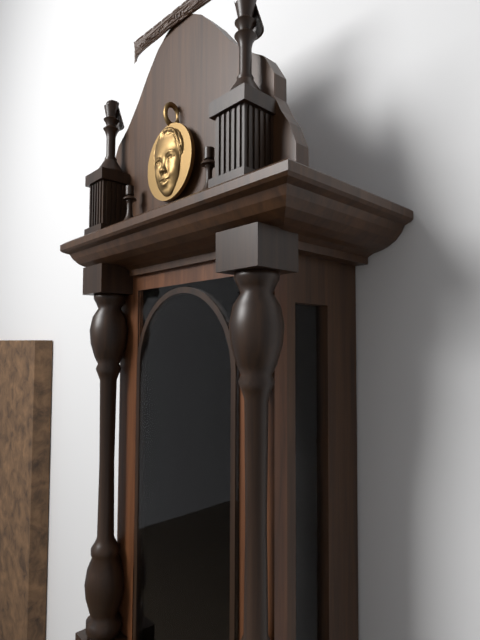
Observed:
{"hour": 3, "minute": 59}
